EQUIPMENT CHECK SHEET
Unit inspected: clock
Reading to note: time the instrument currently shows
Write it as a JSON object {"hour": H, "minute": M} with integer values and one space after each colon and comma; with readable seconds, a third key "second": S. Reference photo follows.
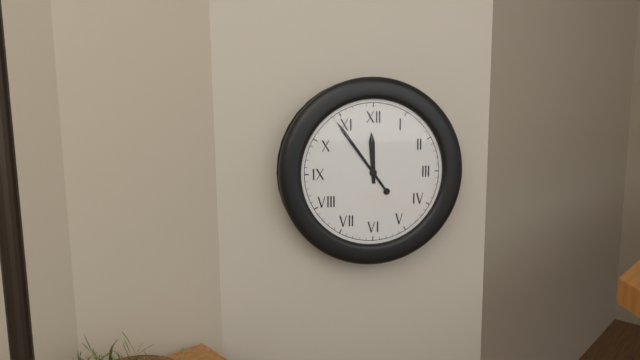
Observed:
{"hour": 11, "minute": 54}
